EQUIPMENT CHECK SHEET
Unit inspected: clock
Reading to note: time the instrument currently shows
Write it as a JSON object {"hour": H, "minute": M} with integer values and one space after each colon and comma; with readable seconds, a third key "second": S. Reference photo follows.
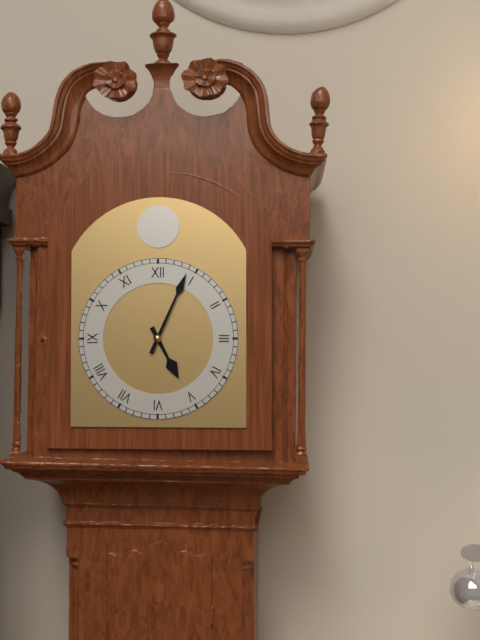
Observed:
{"hour": 5, "minute": 4}
